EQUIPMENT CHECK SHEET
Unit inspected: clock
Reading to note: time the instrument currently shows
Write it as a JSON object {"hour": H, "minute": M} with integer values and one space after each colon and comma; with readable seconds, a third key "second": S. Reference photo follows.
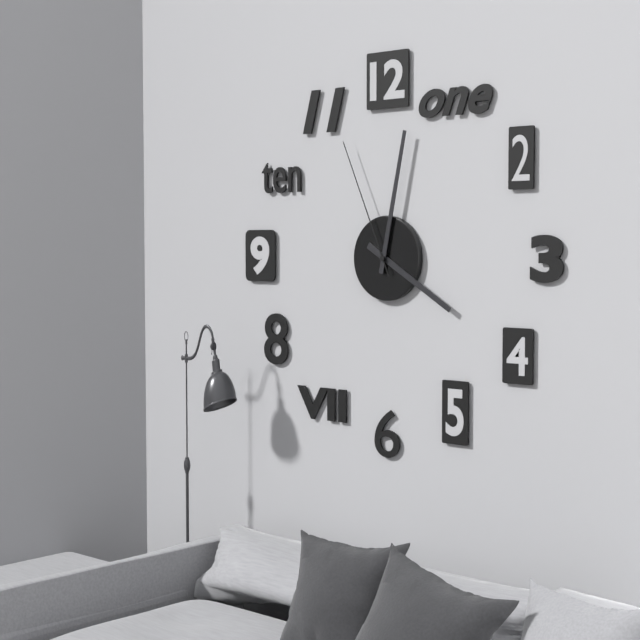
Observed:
{"hour": 4, "minute": 2, "second": 56}
